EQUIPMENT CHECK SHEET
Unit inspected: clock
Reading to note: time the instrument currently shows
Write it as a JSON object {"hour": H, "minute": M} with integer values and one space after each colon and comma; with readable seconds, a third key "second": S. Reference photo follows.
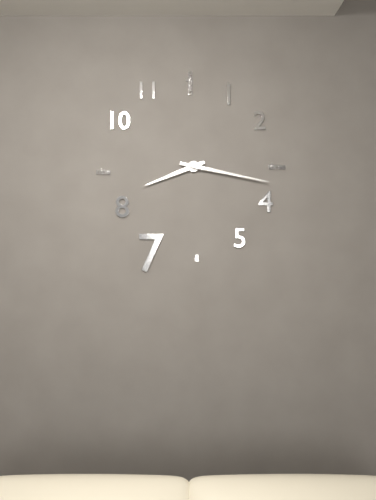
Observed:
{"hour": 8, "minute": 17}
